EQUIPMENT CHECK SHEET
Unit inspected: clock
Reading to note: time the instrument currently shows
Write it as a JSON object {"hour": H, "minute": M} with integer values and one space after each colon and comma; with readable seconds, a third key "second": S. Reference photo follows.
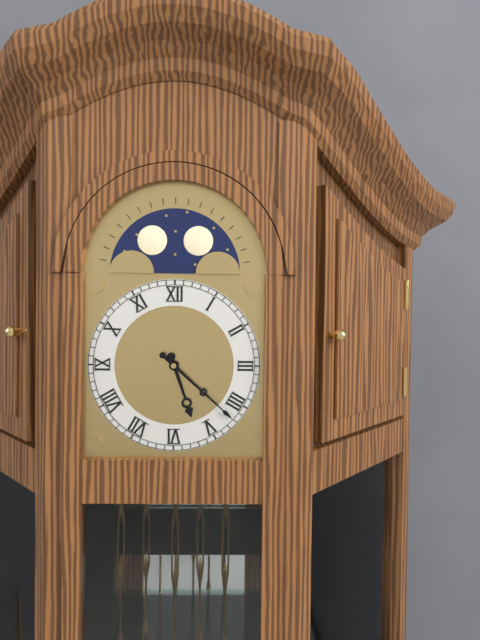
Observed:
{"hour": 5, "minute": 22}
